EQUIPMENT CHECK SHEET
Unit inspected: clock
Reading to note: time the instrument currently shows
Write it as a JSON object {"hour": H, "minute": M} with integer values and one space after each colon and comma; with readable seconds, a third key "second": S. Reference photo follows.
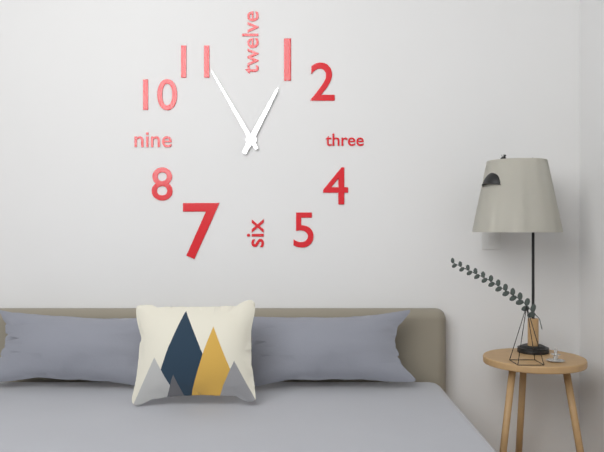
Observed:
{"hour": 12, "minute": 55}
